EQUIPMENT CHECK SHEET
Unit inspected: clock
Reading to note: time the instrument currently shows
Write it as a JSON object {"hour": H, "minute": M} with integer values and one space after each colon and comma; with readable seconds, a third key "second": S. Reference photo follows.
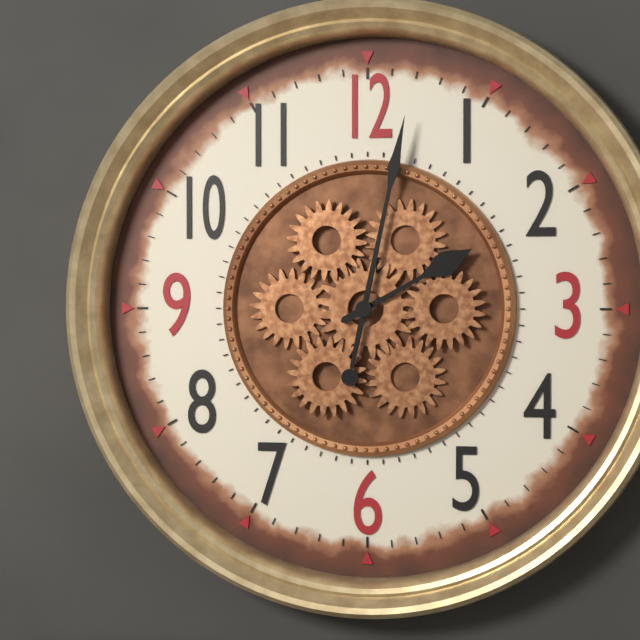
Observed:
{"hour": 2, "minute": 2}
